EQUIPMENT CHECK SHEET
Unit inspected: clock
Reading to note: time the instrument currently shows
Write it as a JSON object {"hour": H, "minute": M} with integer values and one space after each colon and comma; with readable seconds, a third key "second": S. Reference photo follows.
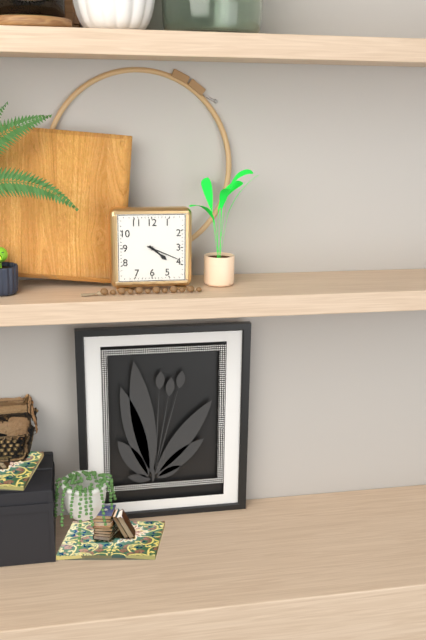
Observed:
{"hour": 4, "minute": 19}
